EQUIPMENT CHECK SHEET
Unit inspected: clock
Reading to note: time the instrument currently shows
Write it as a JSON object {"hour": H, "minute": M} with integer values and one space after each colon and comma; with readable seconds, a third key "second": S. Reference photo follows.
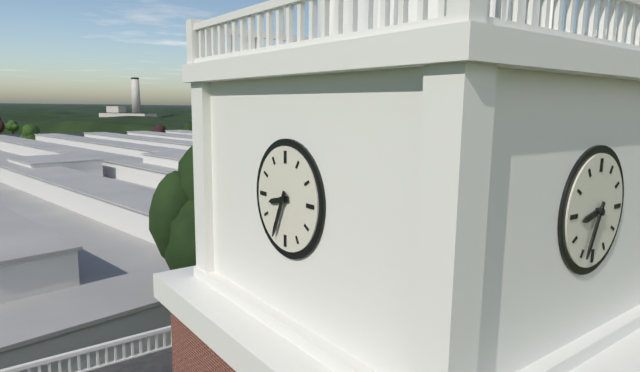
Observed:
{"hour": 8, "minute": 34}
